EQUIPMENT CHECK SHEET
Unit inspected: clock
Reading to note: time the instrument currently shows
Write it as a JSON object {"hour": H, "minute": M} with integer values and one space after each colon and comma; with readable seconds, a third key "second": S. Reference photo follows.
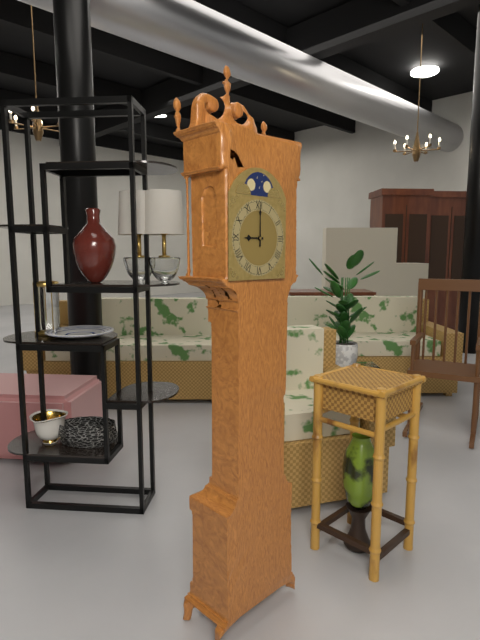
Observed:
{"hour": 9, "minute": 0}
